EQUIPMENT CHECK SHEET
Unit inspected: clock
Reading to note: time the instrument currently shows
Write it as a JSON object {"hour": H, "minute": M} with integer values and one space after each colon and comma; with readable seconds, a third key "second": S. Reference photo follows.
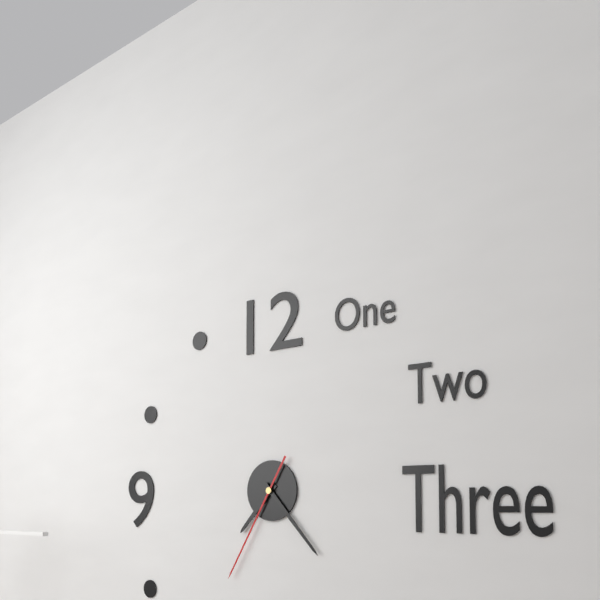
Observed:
{"hour": 7, "minute": 23, "second": 35}
